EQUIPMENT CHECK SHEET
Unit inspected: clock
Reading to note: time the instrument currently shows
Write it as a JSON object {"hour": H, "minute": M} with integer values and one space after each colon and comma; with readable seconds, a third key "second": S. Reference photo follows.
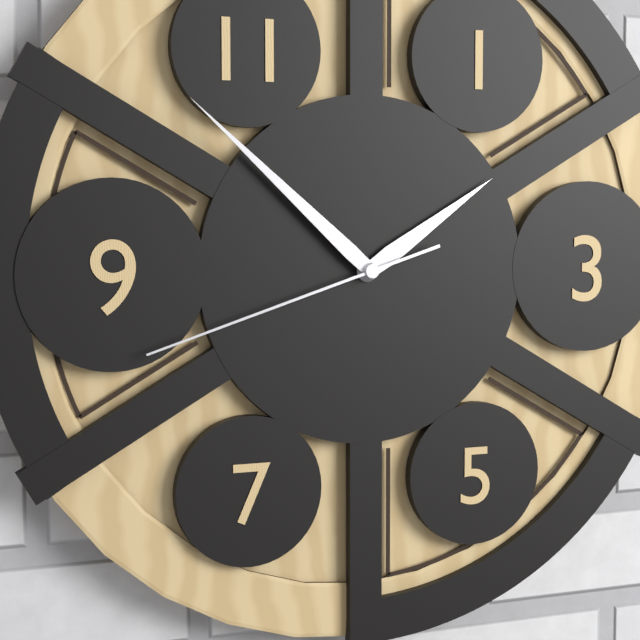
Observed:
{"hour": 1, "minute": 52, "second": 42}
